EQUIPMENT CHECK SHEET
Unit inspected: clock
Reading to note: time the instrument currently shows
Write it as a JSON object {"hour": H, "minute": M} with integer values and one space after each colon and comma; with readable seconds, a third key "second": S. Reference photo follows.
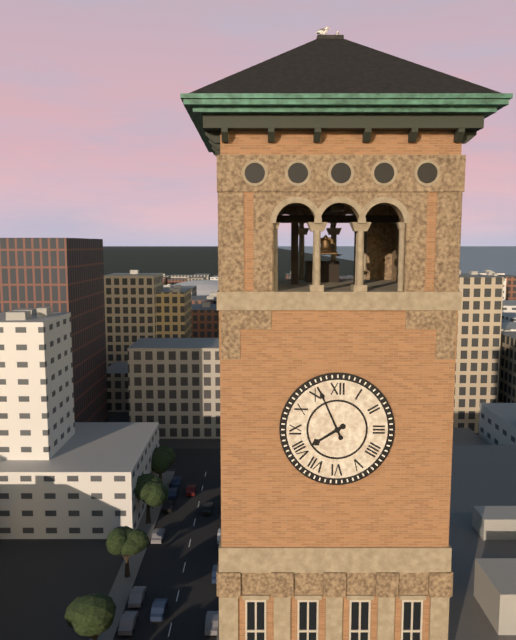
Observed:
{"hour": 7, "minute": 56}
